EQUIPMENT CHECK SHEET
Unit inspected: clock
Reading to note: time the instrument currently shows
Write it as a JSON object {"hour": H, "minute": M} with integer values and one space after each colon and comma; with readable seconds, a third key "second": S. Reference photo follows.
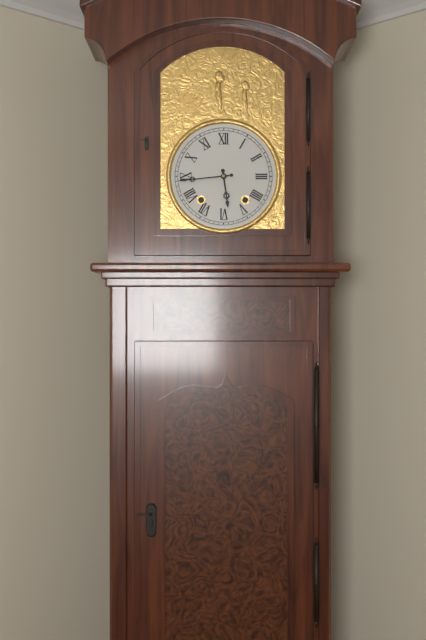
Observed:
{"hour": 5, "minute": 44}
